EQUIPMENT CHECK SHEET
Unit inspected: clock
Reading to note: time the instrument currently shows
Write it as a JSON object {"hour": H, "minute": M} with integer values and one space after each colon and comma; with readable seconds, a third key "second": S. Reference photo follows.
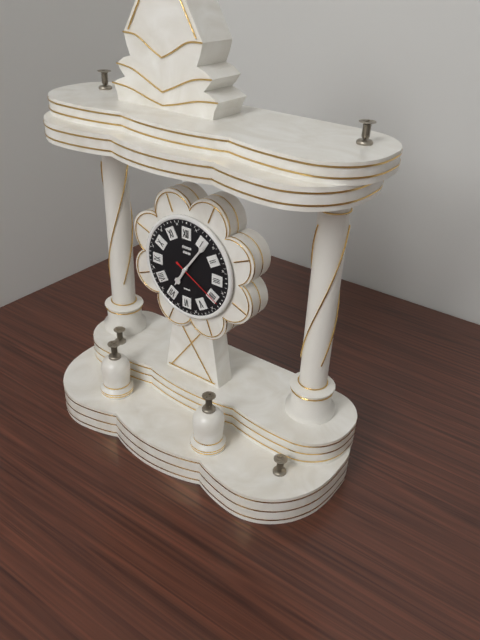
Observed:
{"hour": 7, "minute": 6, "second": 20}
